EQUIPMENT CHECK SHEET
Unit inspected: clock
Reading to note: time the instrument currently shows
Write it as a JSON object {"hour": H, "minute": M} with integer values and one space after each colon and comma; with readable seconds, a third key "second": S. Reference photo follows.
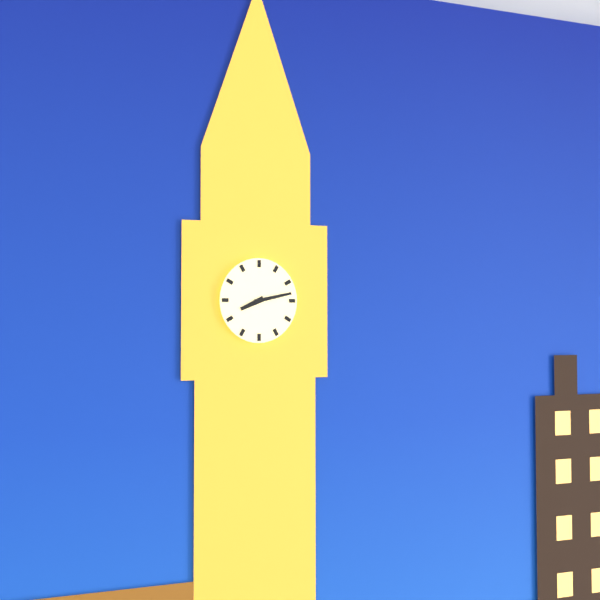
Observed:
{"hour": 8, "minute": 13}
